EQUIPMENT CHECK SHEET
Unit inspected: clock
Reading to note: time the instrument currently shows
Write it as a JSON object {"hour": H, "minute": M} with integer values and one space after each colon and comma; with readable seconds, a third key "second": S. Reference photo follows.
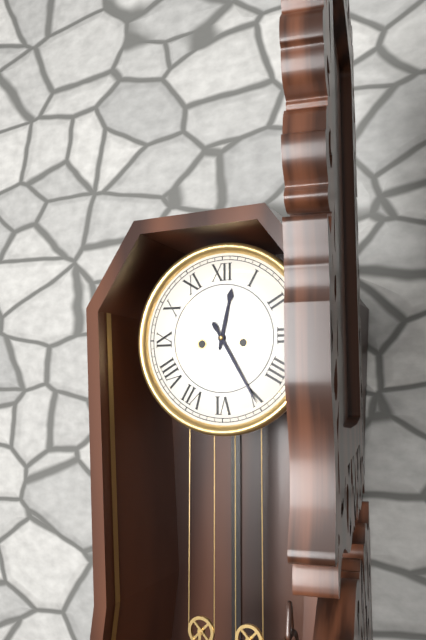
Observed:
{"hour": 12, "minute": 25}
